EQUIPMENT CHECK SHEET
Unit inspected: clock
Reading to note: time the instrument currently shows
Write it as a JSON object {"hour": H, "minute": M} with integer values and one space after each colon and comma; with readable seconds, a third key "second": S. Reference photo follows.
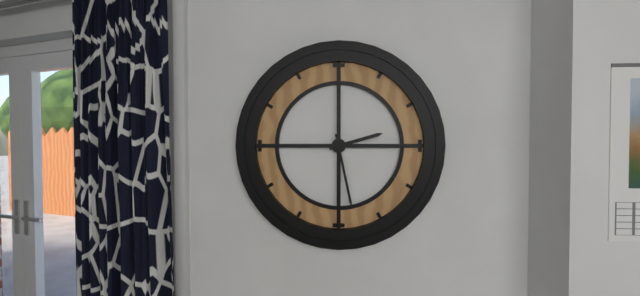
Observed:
{"hour": 2, "minute": 28}
